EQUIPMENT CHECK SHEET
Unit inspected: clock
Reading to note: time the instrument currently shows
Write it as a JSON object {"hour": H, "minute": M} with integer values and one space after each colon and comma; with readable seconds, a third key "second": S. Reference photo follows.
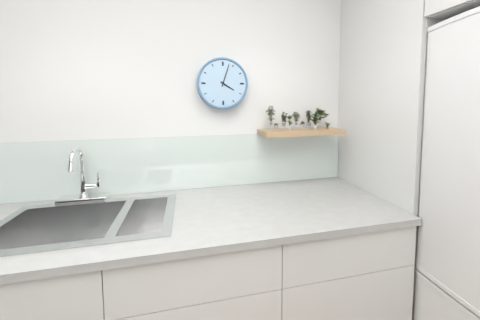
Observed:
{"hour": 4, "minute": 3}
